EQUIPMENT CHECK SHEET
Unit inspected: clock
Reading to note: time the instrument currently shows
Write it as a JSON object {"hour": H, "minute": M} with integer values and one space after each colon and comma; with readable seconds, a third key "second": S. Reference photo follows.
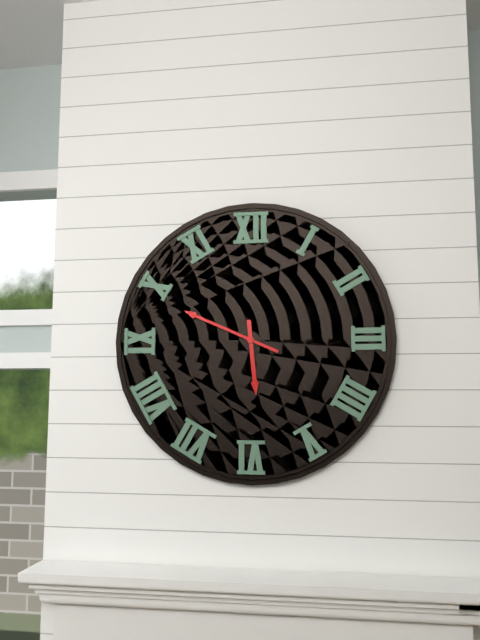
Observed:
{"hour": 5, "minute": 49}
